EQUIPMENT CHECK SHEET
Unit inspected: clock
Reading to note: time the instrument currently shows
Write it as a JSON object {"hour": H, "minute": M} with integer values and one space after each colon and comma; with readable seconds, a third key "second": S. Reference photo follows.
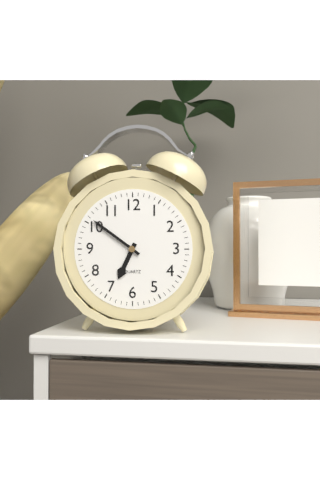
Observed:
{"hour": 6, "minute": 51}
